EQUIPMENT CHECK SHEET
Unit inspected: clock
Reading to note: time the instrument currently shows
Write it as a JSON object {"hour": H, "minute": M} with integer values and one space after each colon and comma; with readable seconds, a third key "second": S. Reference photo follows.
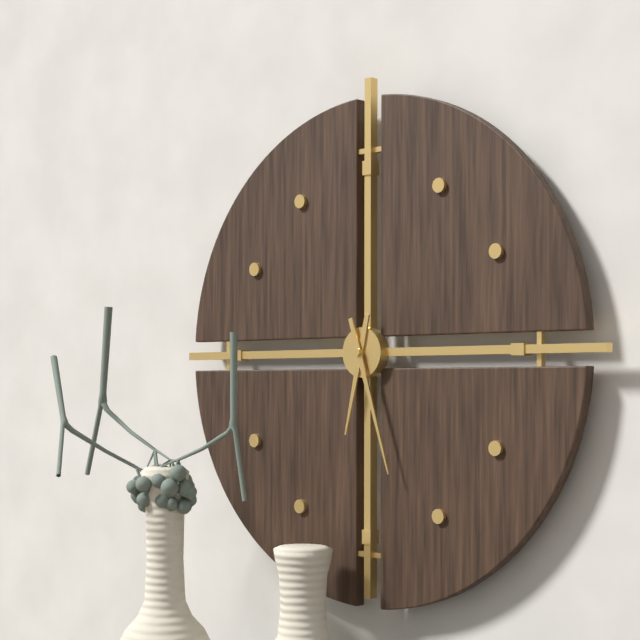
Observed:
{"hour": 6, "minute": 27}
